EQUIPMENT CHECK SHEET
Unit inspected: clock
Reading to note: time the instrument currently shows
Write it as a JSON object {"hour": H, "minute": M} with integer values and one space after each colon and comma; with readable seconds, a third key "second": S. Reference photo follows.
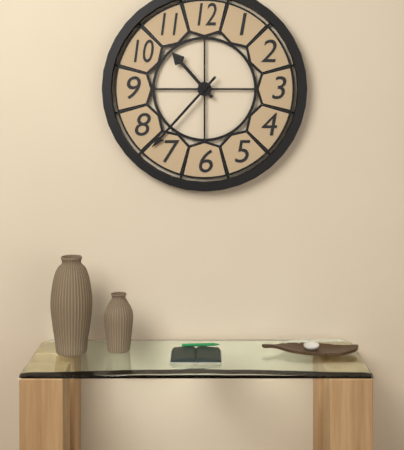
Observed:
{"hour": 10, "minute": 37}
